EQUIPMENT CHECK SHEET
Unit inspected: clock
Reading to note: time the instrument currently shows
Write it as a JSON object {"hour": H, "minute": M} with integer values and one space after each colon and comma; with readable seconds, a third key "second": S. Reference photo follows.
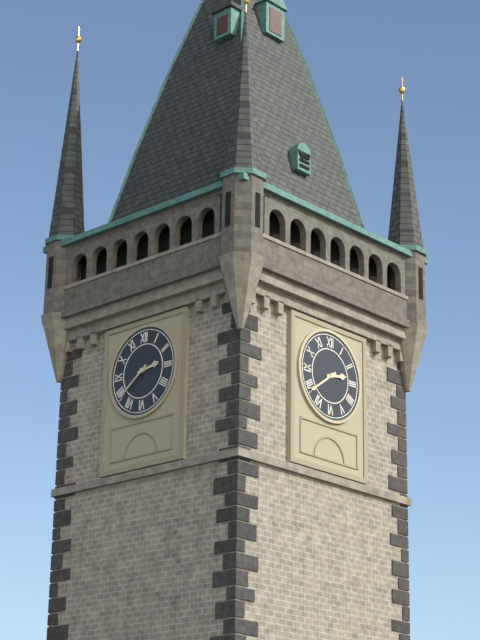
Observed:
{"hour": 2, "minute": 39}
